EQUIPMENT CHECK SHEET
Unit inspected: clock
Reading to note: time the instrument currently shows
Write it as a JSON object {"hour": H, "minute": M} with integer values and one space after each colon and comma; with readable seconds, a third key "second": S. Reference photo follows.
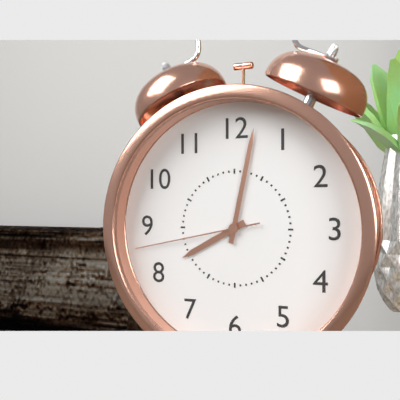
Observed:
{"hour": 8, "minute": 2, "second": 43}
